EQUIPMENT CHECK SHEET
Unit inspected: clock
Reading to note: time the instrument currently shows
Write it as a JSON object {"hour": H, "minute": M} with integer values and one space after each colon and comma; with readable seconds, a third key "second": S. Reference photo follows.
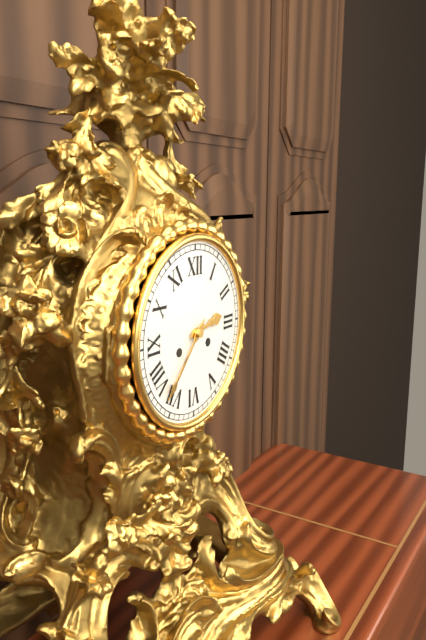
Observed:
{"hour": 2, "minute": 37}
